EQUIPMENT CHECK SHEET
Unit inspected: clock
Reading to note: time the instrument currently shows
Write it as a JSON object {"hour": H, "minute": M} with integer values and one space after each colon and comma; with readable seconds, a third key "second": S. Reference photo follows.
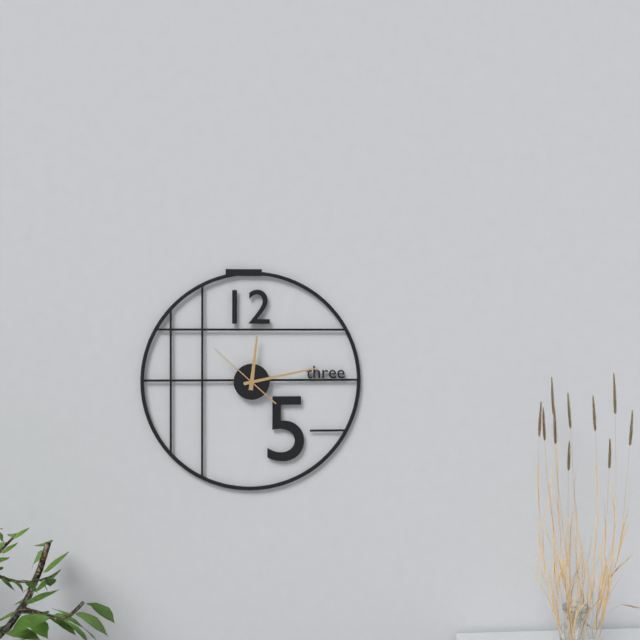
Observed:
{"hour": 12, "minute": 13, "second": 52}
